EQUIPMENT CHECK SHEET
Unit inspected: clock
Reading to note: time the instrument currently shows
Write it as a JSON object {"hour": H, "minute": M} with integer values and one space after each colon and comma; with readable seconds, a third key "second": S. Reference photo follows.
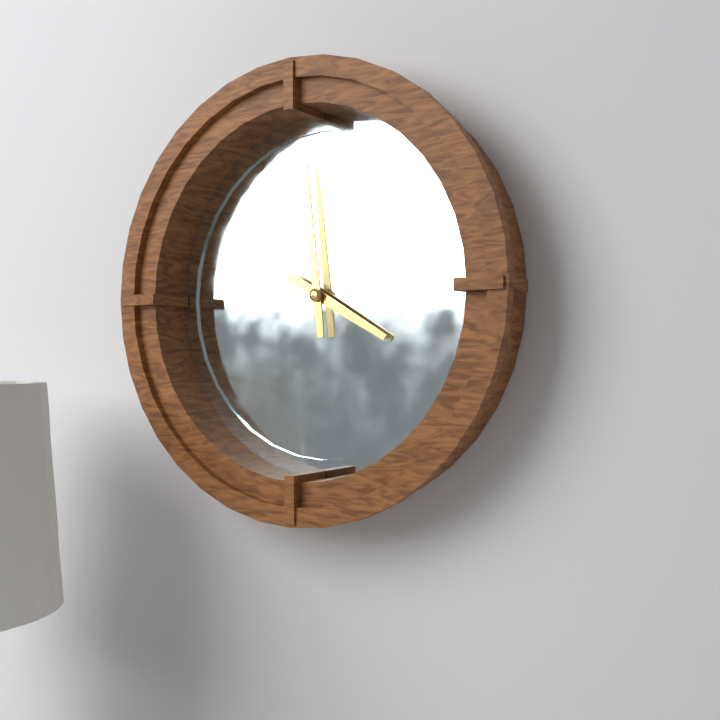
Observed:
{"hour": 3, "minute": 59}
